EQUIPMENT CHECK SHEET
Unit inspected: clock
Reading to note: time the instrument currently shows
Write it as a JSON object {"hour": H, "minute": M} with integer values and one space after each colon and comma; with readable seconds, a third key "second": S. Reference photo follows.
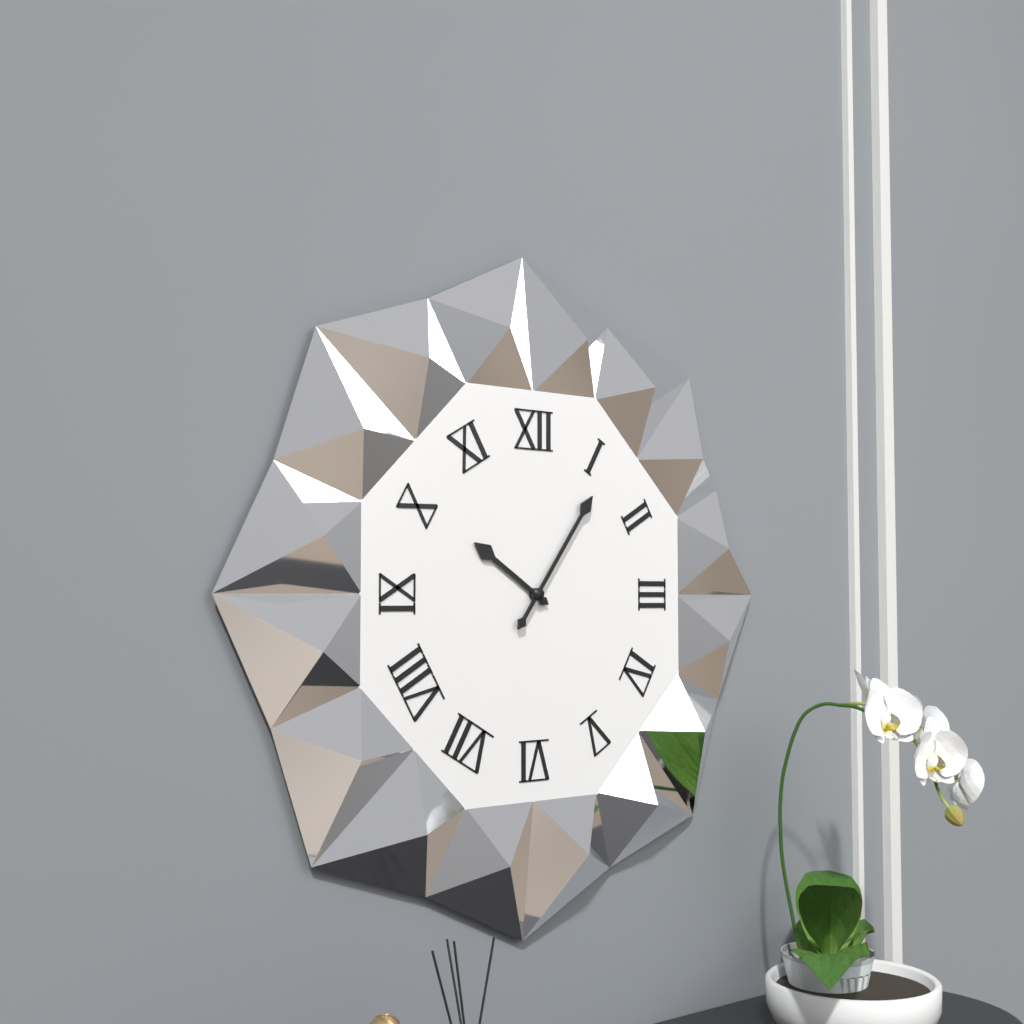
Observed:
{"hour": 10, "minute": 6}
